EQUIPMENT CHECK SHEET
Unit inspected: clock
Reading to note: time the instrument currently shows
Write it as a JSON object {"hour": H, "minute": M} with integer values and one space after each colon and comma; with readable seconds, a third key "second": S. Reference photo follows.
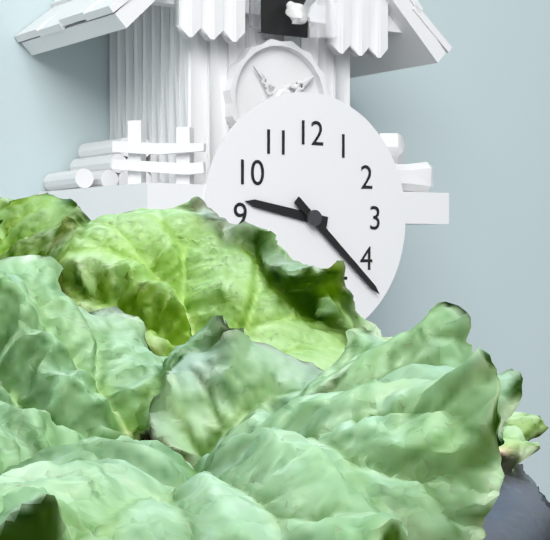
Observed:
{"hour": 9, "minute": 22}
